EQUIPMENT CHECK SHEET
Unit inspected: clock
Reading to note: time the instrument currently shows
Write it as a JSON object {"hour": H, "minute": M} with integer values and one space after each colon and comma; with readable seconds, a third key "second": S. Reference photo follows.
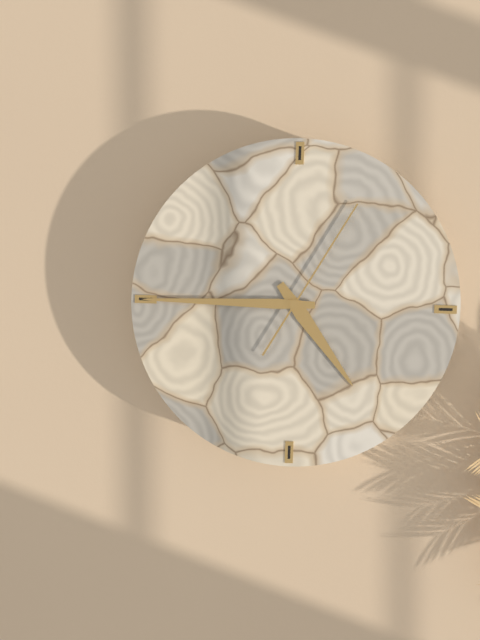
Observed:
{"hour": 4, "minute": 45, "second": 5}
